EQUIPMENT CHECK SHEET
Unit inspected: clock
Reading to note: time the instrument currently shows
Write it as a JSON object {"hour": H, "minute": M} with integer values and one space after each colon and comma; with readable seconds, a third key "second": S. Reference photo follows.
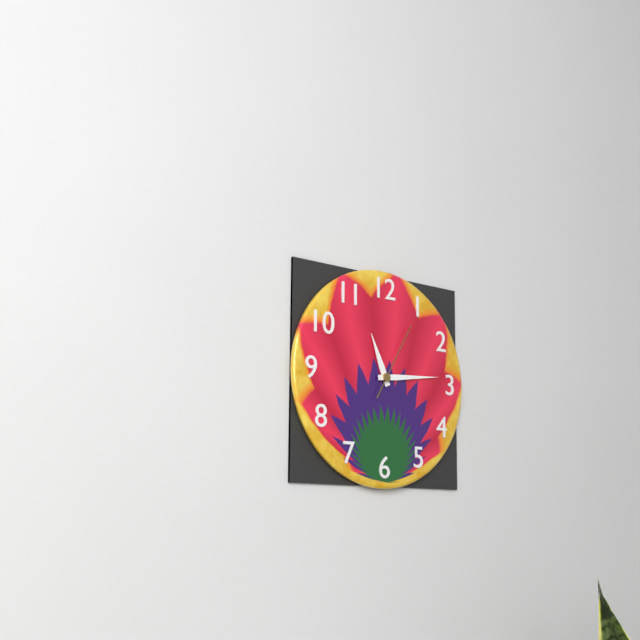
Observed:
{"hour": 11, "minute": 14, "second": 5}
